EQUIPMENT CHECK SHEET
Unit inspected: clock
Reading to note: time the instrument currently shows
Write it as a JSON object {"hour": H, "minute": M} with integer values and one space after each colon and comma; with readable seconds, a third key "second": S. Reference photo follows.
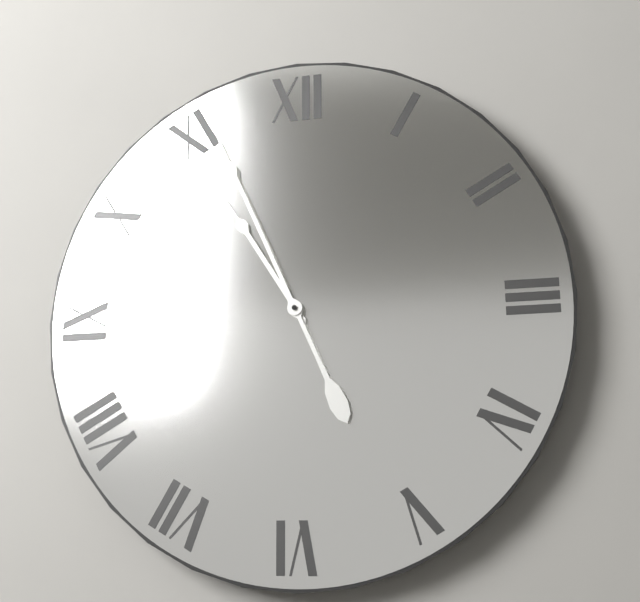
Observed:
{"hour": 10, "minute": 56}
